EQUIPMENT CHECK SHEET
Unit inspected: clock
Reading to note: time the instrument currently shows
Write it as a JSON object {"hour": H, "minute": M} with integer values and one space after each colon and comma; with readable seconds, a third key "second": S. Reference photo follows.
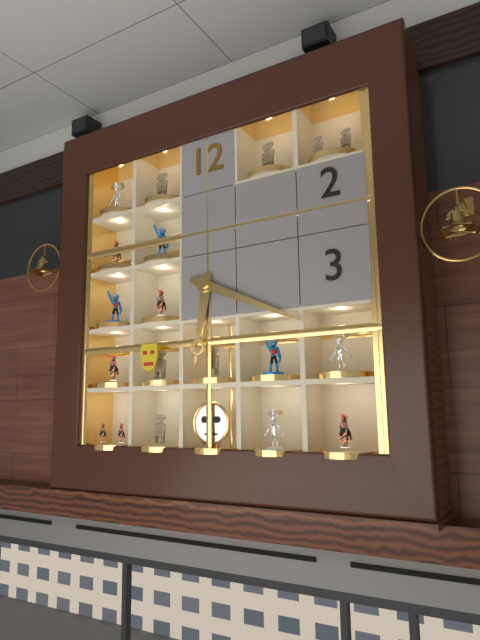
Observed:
{"hour": 6, "minute": 19}
